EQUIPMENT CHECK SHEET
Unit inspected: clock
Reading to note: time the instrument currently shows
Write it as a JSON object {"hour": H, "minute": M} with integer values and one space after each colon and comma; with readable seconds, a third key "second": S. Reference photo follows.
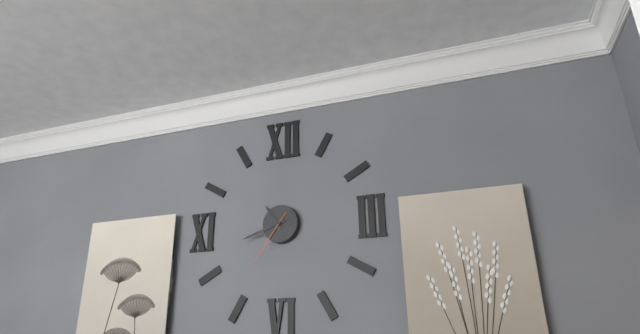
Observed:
{"hour": 10, "minute": 42, "second": 36}
